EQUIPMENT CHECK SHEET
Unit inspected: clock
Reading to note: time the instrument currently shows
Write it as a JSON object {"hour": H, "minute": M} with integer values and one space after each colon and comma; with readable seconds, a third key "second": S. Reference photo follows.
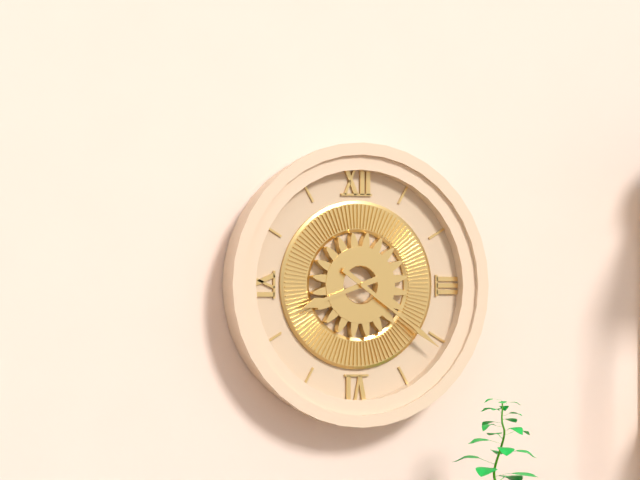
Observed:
{"hour": 8, "minute": 21}
